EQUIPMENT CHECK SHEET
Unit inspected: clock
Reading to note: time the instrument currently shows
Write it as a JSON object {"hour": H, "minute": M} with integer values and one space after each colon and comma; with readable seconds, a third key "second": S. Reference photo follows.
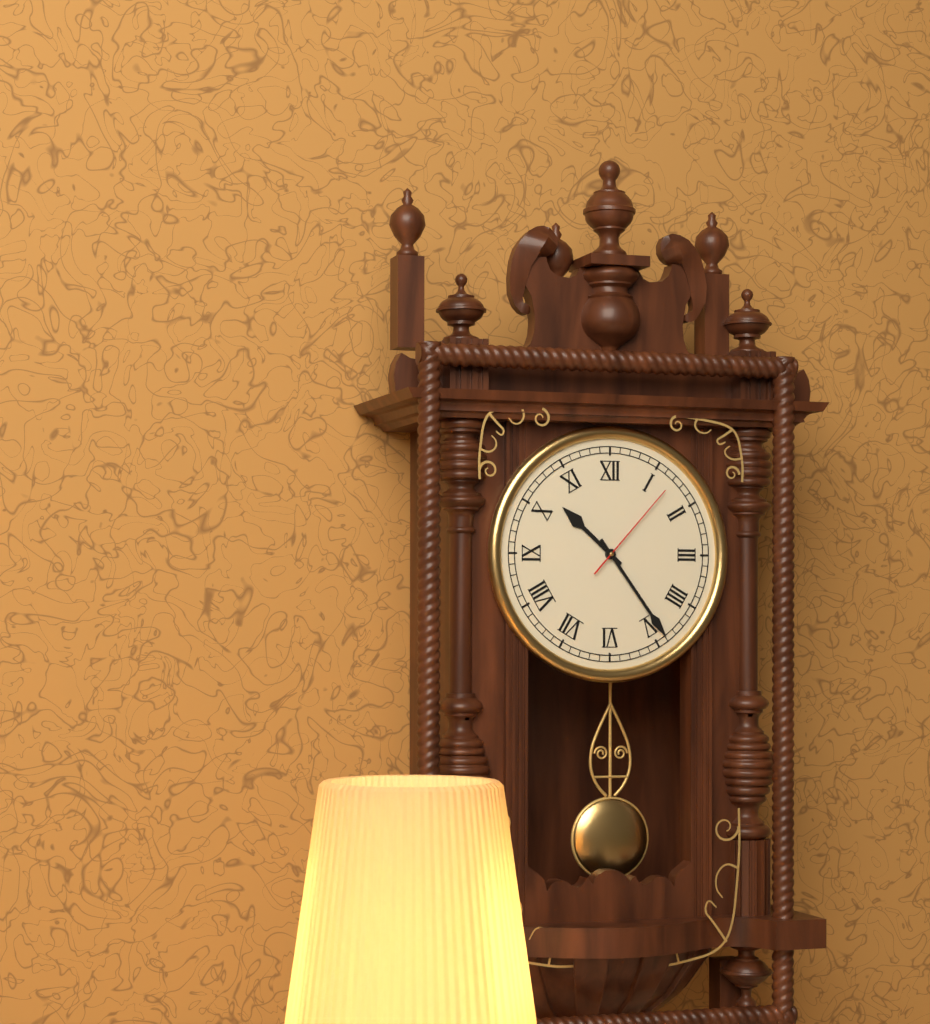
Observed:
{"hour": 10, "minute": 24, "second": 7}
